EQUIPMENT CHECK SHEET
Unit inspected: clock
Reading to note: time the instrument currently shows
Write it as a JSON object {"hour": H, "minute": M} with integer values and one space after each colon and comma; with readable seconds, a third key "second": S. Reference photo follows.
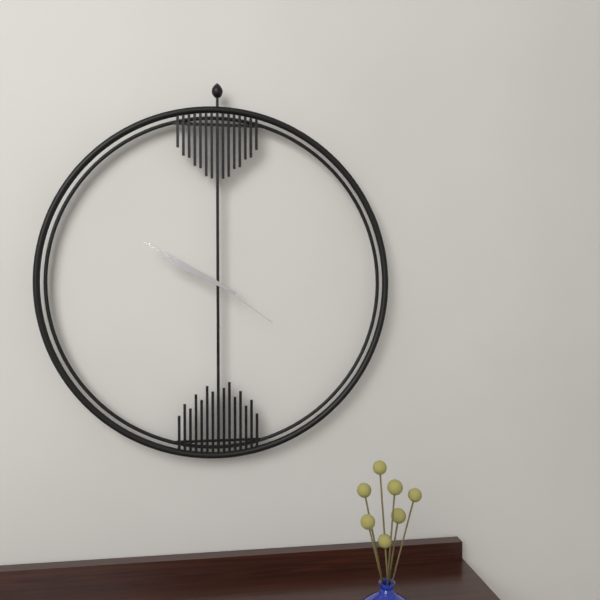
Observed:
{"hour": 9, "minute": 50, "second": 21}
